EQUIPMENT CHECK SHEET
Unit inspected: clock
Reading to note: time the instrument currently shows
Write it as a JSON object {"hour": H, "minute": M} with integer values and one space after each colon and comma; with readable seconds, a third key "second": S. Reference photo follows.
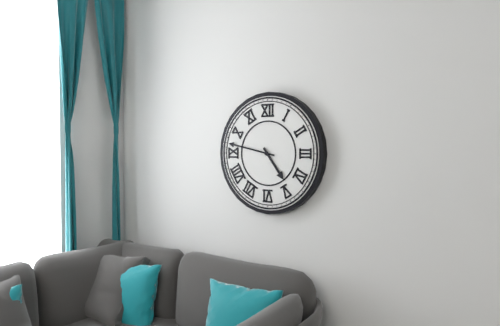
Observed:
{"hour": 4, "minute": 47}
